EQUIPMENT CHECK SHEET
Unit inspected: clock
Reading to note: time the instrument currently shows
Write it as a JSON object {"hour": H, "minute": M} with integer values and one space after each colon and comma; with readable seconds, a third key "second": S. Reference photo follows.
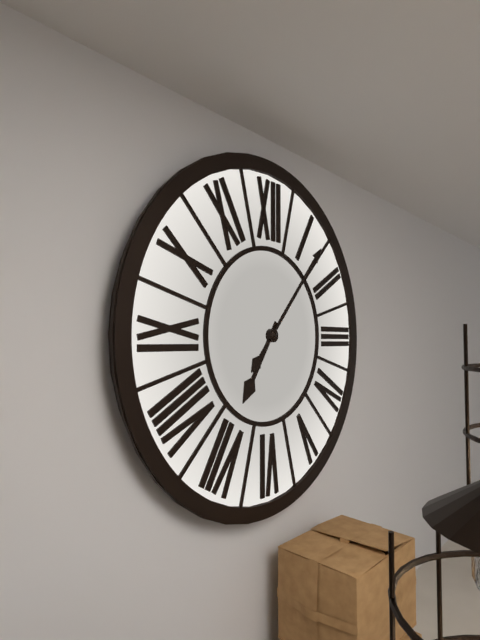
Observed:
{"hour": 7, "minute": 7}
